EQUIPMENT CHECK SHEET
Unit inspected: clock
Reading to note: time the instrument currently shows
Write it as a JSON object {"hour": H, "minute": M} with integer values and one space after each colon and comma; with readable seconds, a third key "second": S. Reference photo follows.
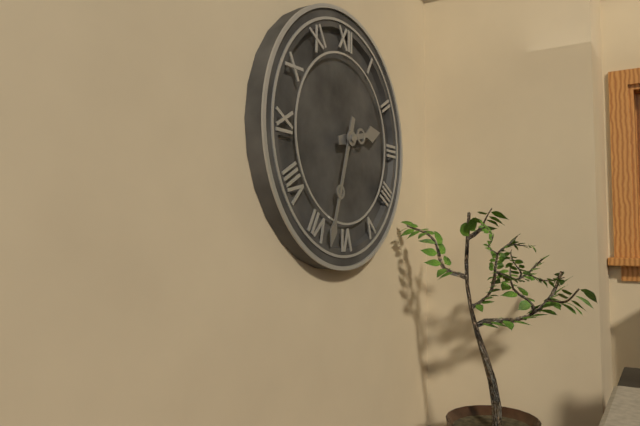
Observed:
{"hour": 2, "minute": 33}
